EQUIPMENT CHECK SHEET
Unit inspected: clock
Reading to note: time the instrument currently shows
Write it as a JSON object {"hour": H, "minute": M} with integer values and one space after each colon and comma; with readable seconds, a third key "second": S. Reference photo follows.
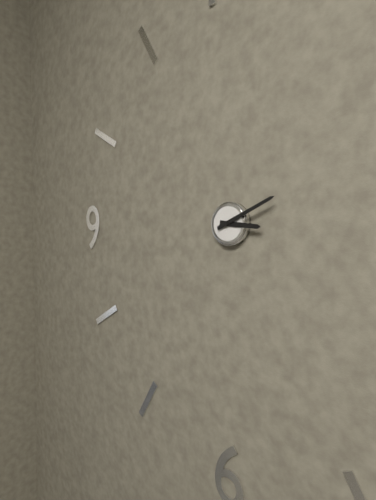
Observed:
{"hour": 3, "minute": 11}
